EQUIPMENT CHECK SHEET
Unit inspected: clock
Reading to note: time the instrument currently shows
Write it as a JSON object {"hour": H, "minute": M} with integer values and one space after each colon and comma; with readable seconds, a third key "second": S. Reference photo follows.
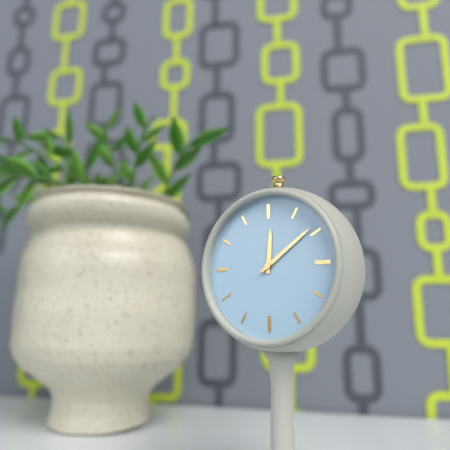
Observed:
{"hour": 12, "minute": 9}
